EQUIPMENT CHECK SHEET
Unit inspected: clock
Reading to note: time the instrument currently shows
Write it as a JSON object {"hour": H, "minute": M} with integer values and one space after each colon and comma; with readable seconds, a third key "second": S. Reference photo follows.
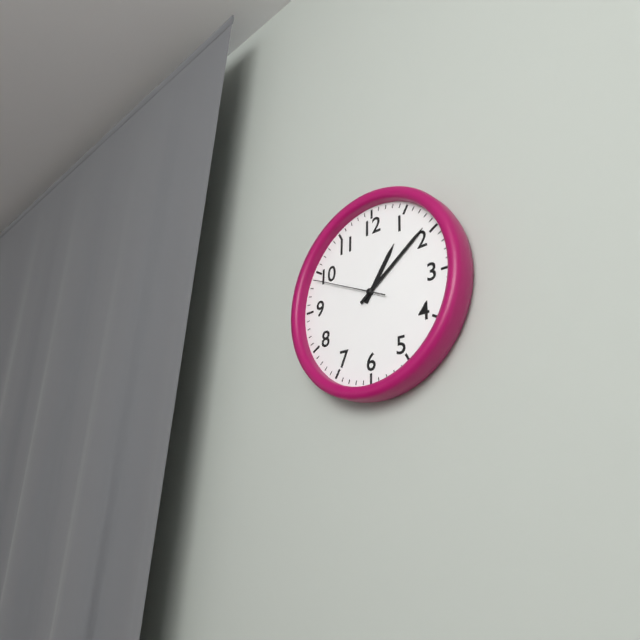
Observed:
{"hour": 1, "minute": 9, "second": 49}
